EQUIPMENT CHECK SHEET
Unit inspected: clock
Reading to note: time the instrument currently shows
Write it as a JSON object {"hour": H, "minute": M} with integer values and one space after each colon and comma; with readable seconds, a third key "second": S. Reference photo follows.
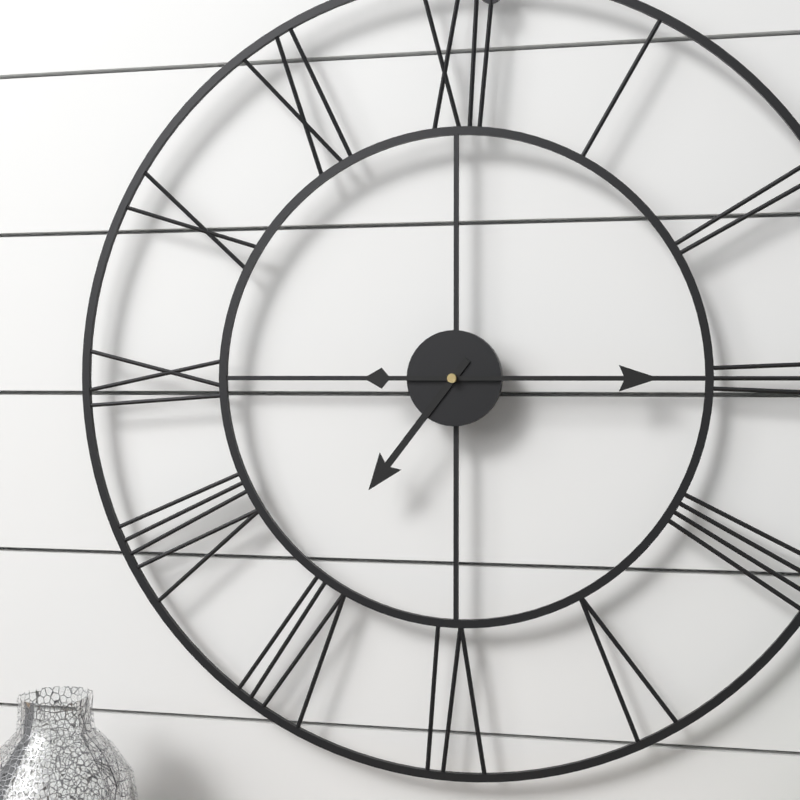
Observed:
{"hour": 7, "minute": 15}
